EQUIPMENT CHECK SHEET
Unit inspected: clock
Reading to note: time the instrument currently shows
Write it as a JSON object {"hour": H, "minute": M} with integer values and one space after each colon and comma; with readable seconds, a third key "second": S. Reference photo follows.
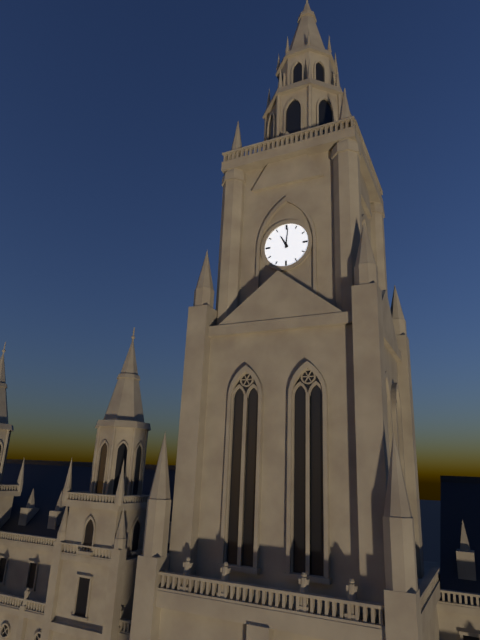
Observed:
{"hour": 11, "minute": 1}
